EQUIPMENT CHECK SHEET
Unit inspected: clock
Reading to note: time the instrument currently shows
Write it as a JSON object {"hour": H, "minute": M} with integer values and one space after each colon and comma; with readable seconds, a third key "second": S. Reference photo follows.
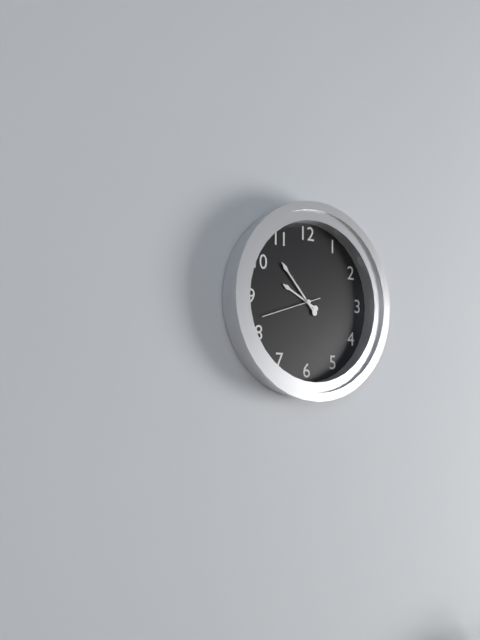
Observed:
{"hour": 9, "minute": 53, "second": 42}
